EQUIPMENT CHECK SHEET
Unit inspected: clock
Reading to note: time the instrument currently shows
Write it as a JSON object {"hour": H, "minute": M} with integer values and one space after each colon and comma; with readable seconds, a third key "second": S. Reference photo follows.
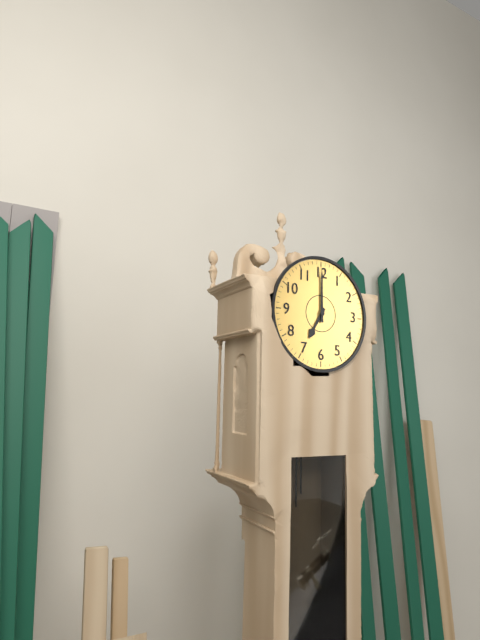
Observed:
{"hour": 7, "minute": 0}
